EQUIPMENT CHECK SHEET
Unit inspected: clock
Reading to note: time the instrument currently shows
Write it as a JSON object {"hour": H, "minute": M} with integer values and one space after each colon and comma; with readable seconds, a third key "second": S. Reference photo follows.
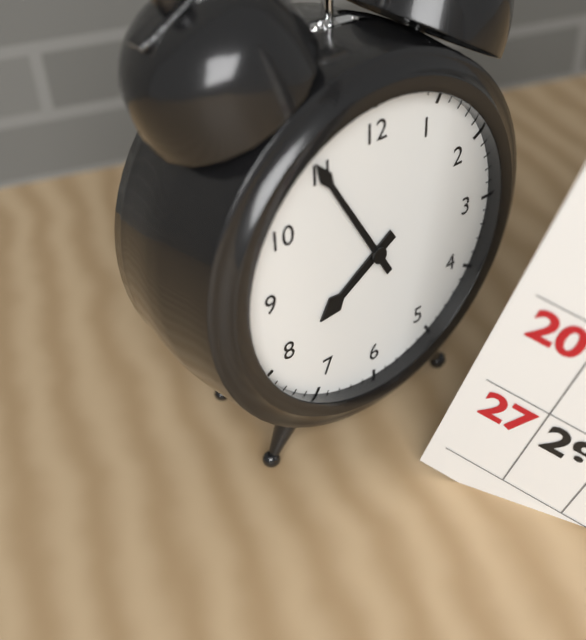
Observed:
{"hour": 7, "minute": 55}
